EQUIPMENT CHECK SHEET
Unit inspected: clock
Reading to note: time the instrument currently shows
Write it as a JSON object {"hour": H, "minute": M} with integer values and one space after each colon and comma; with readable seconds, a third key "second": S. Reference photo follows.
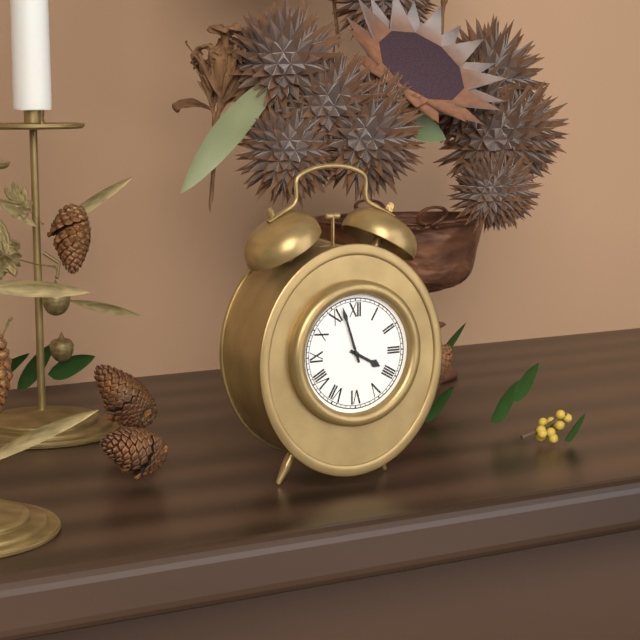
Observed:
{"hour": 3, "minute": 57}
